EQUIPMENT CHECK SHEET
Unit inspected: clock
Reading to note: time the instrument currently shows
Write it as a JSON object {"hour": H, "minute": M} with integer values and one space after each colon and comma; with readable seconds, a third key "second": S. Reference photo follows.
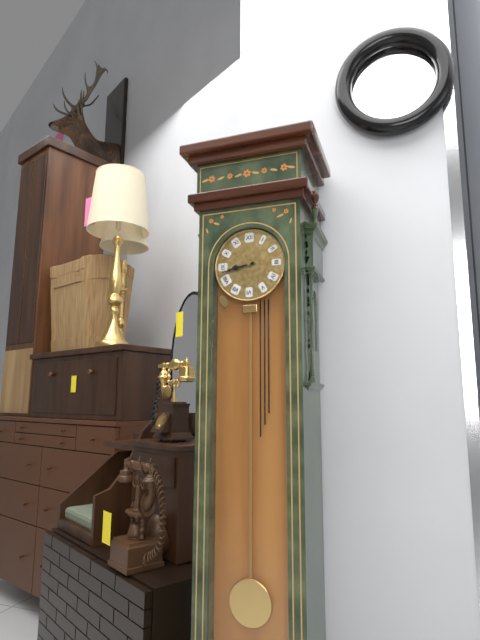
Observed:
{"hour": 8, "minute": 43}
